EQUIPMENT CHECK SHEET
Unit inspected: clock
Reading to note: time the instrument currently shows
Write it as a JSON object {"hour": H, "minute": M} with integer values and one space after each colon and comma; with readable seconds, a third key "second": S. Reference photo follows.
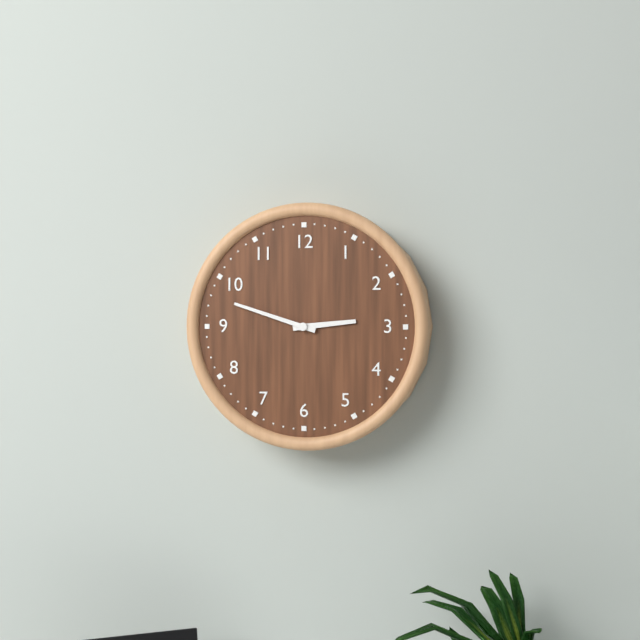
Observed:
{"hour": 2, "minute": 48}
